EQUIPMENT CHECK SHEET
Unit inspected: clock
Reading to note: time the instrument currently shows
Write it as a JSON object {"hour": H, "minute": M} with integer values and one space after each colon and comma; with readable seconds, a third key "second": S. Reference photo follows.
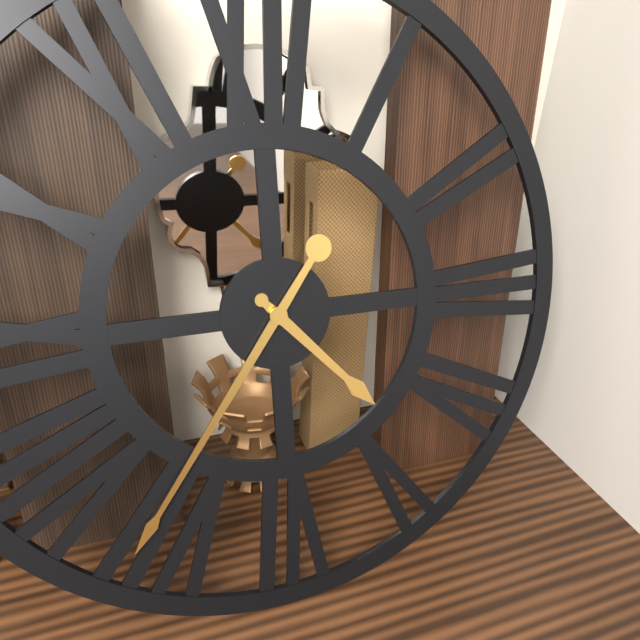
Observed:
{"hour": 4, "minute": 36}
